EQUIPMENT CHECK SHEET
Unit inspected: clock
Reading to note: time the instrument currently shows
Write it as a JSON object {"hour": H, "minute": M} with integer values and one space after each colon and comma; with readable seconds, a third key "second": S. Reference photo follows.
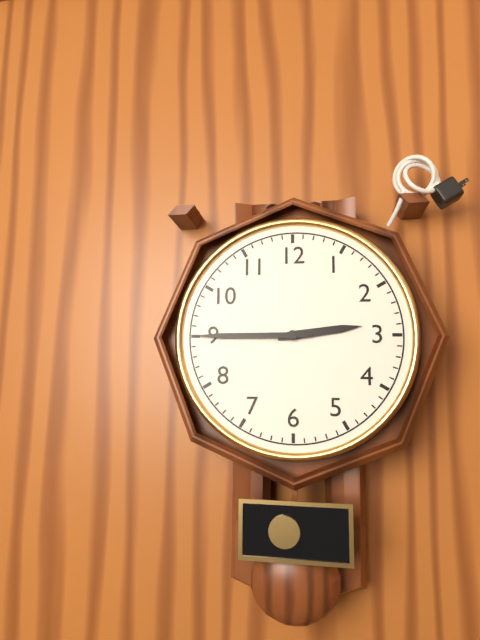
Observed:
{"hour": 2, "minute": 45}
